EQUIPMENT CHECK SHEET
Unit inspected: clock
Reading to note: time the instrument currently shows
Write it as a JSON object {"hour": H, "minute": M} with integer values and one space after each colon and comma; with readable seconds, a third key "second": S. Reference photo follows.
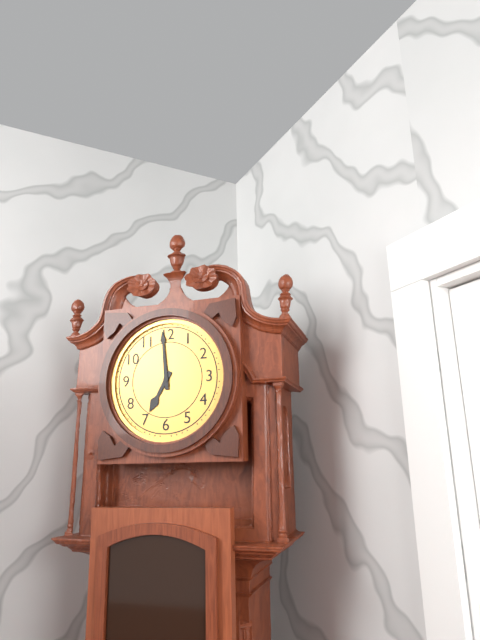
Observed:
{"hour": 6, "minute": 59}
